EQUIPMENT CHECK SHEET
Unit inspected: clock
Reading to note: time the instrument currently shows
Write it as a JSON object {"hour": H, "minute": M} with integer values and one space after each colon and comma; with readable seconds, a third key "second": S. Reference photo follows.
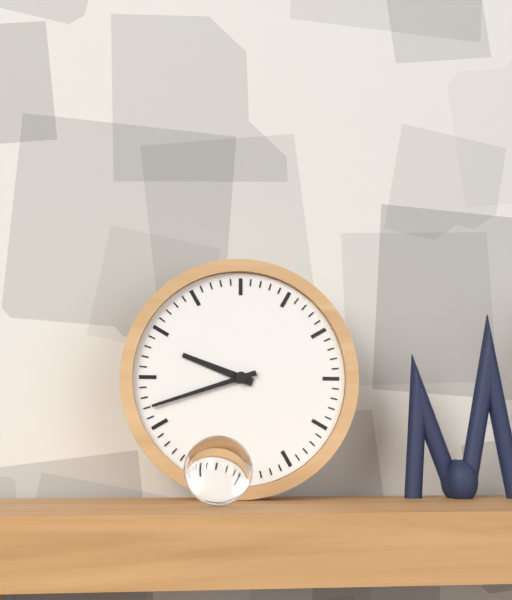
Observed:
{"hour": 9, "minute": 42}
